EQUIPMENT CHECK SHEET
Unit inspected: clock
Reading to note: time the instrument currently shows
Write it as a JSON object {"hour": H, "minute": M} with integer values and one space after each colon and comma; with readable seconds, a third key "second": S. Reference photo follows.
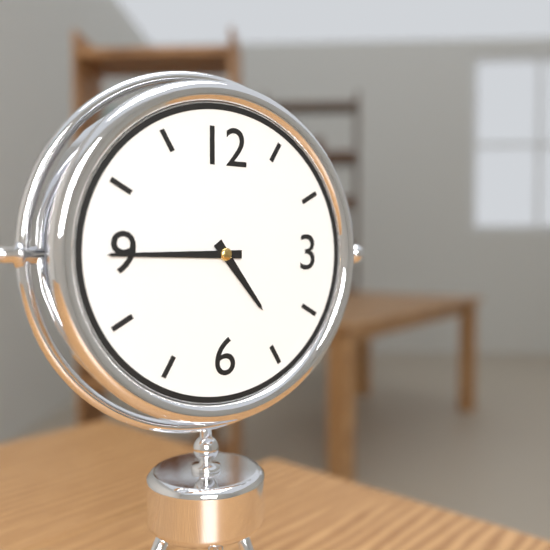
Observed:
{"hour": 4, "minute": 45}
